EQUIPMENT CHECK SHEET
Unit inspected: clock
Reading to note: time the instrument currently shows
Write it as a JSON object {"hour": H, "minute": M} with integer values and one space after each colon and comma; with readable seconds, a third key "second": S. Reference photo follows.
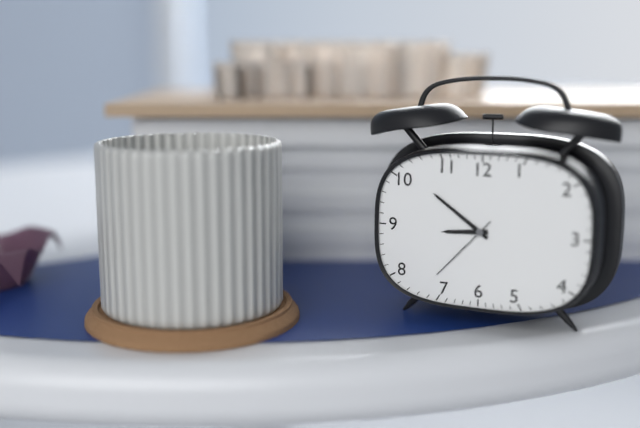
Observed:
{"hour": 8, "minute": 51, "second": 37}
